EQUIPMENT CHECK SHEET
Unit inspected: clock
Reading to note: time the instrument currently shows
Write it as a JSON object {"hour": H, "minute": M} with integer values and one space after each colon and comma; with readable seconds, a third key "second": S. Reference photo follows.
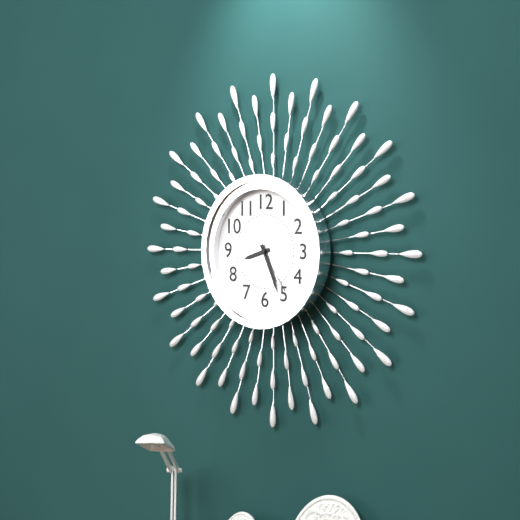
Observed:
{"hour": 8, "minute": 26, "second": 24}
